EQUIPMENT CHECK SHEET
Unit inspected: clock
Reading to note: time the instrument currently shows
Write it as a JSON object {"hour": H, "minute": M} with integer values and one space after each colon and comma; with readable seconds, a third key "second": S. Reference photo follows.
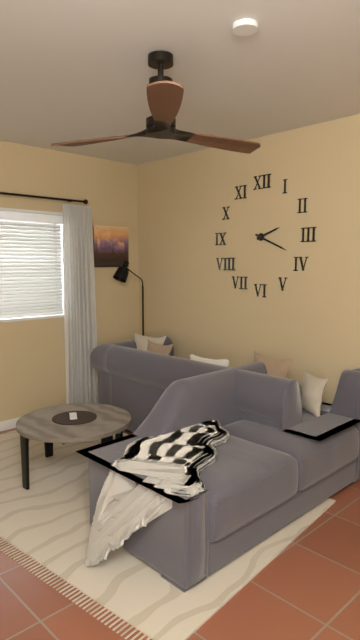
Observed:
{"hour": 2, "minute": 19}
